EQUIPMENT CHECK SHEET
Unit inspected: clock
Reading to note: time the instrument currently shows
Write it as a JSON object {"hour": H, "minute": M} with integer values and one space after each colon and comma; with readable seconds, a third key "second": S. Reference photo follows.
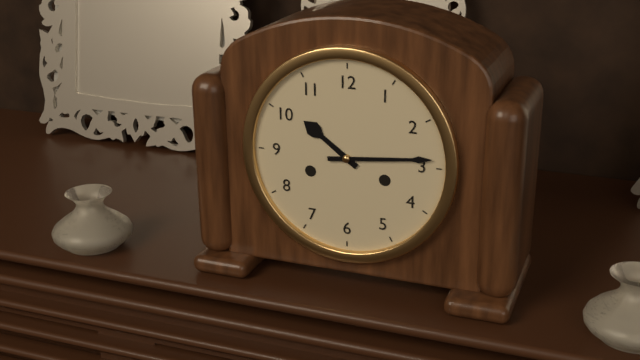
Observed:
{"hour": 10, "minute": 14}
